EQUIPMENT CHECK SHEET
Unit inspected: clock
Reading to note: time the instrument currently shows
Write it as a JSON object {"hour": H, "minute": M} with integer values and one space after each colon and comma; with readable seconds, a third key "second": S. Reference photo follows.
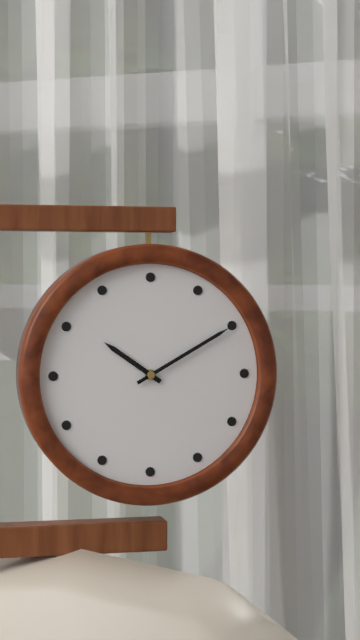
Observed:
{"hour": 10, "minute": 10}
